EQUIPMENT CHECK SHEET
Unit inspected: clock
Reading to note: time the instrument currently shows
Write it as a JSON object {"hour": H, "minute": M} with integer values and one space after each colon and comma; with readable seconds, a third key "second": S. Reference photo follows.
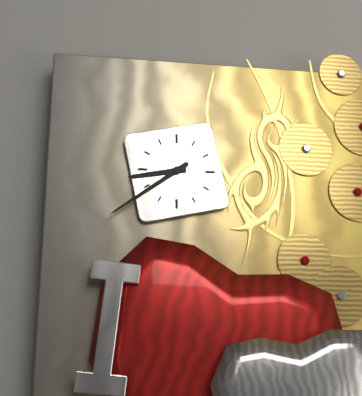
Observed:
{"hour": 8, "minute": 39}
